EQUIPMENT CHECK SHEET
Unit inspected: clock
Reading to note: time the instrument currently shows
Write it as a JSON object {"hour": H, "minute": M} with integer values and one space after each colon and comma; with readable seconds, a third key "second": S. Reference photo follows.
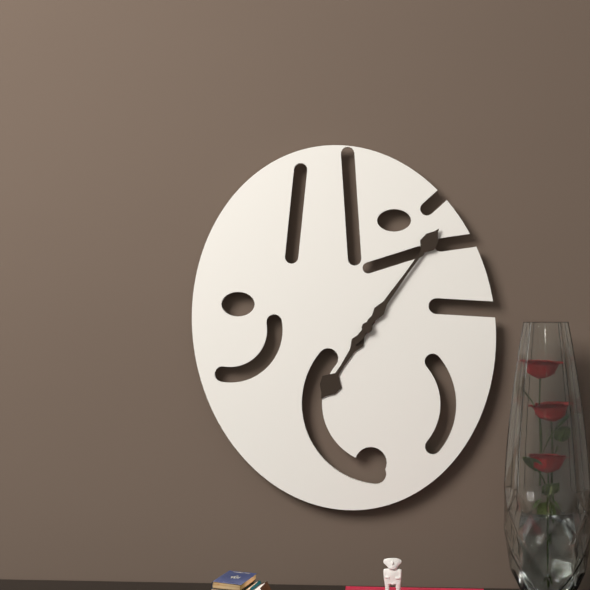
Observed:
{"hour": 7, "minute": 6}
